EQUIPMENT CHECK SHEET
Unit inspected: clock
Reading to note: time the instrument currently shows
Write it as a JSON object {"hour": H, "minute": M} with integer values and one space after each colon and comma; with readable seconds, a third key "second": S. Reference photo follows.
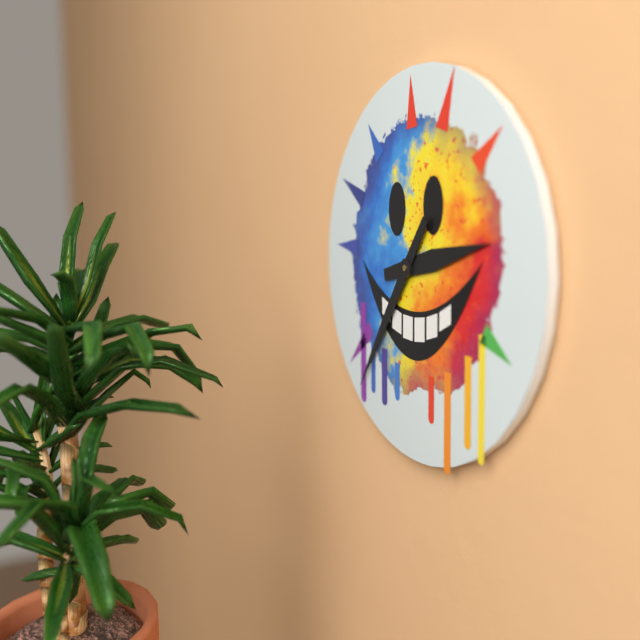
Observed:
{"hour": 2, "minute": 36}
